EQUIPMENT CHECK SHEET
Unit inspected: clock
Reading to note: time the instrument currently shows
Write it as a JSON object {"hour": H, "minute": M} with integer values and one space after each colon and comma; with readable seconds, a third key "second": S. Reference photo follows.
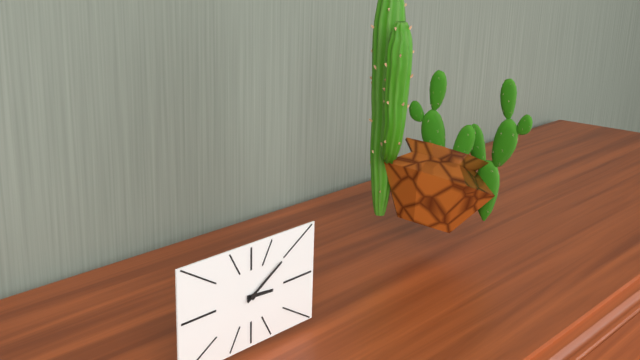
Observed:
{"hour": 3, "minute": 10}
